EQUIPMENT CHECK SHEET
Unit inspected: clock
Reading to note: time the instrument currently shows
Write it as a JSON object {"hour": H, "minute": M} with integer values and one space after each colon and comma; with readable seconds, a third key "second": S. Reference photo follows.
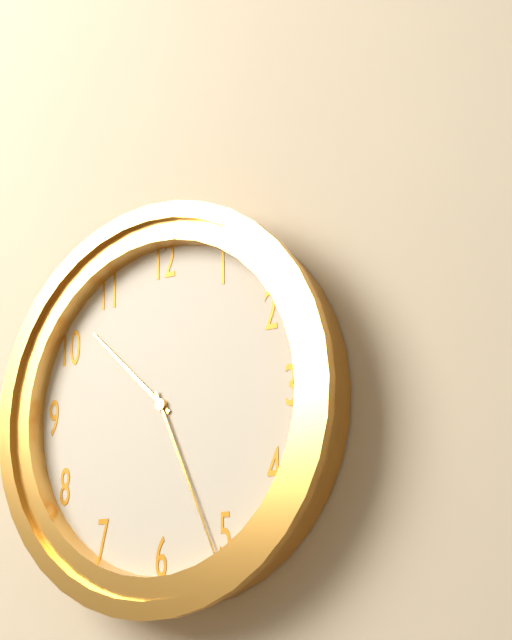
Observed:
{"hour": 10, "minute": 26}
